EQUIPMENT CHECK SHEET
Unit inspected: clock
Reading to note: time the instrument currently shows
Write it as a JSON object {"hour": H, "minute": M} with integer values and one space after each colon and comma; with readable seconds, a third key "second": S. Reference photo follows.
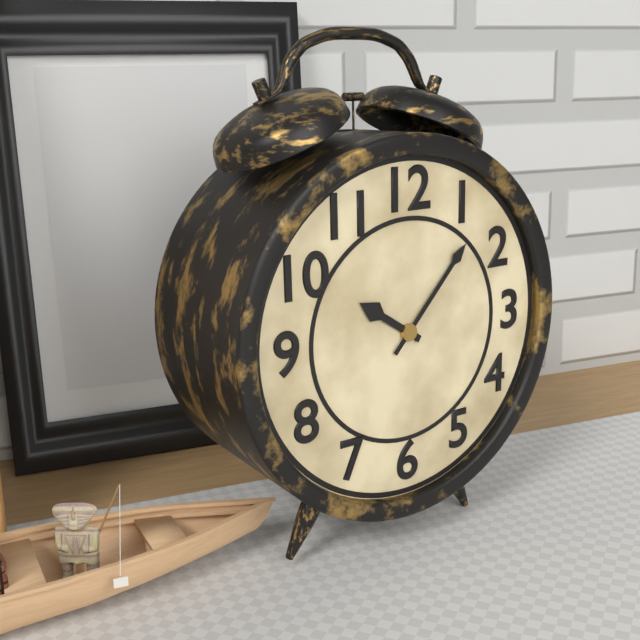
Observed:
{"hour": 10, "minute": 7}
